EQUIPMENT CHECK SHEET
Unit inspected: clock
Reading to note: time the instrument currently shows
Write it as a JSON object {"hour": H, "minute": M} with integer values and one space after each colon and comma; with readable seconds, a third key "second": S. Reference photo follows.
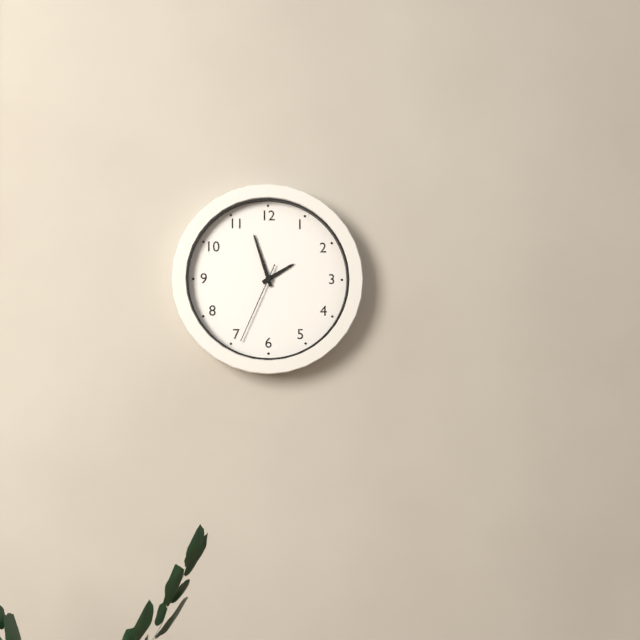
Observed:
{"hour": 1, "minute": 57, "second": 34}
